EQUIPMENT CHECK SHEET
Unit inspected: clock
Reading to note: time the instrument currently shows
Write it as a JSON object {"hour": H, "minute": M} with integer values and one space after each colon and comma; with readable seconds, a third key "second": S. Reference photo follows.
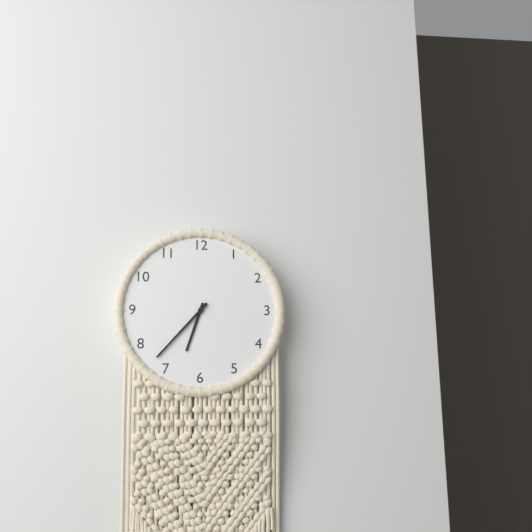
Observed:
{"hour": 6, "minute": 37}
